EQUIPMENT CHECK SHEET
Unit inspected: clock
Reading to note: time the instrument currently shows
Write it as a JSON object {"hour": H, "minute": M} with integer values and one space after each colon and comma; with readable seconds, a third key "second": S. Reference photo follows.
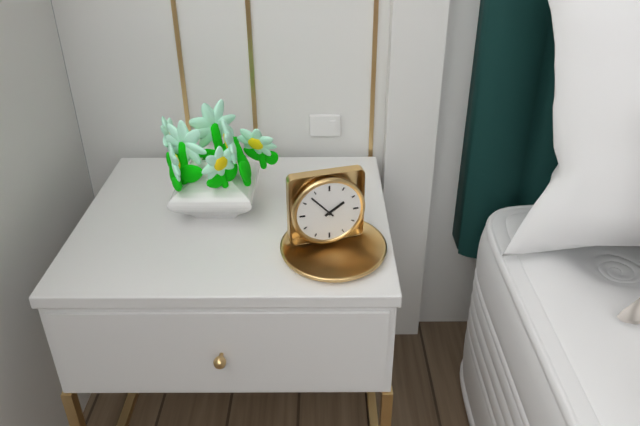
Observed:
{"hour": 1, "minute": 53}
